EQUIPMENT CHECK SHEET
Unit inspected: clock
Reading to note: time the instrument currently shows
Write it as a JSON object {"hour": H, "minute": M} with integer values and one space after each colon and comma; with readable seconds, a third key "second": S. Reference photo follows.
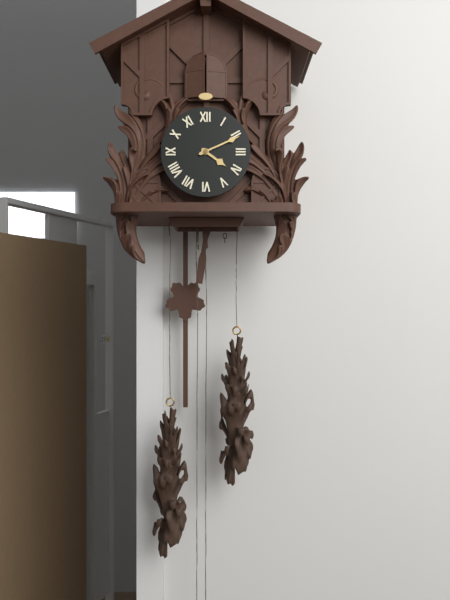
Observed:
{"hour": 4, "minute": 11}
